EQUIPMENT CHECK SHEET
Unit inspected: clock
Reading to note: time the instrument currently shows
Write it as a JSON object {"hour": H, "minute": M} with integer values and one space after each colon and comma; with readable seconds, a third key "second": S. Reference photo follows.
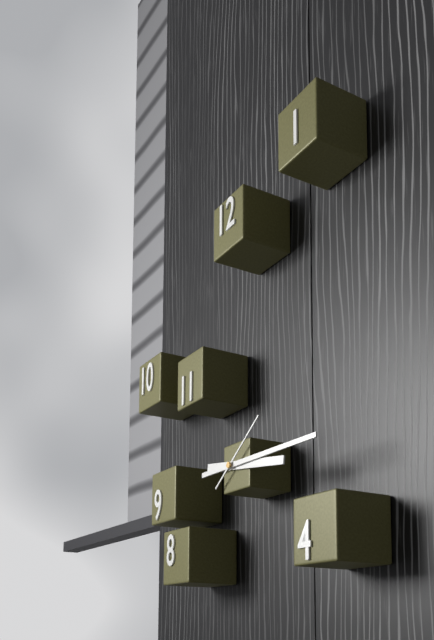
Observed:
{"hour": 3, "minute": 15, "second": 9}
